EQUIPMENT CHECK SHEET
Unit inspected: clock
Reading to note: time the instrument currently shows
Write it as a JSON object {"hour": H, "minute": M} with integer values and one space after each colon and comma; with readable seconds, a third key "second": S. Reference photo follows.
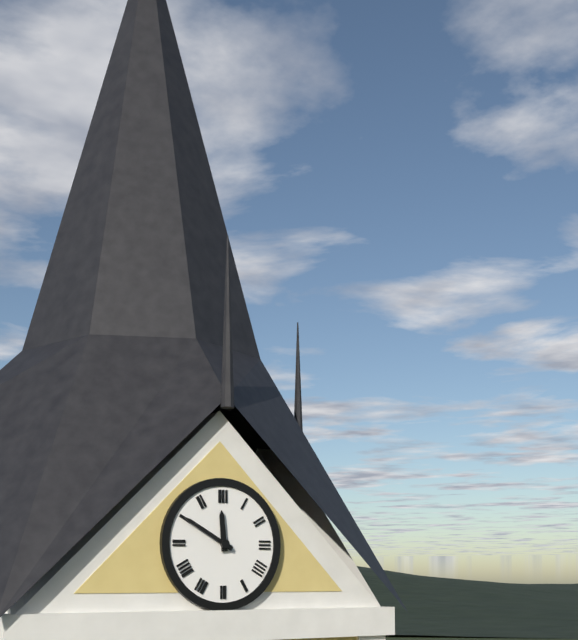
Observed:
{"hour": 11, "minute": 50}
